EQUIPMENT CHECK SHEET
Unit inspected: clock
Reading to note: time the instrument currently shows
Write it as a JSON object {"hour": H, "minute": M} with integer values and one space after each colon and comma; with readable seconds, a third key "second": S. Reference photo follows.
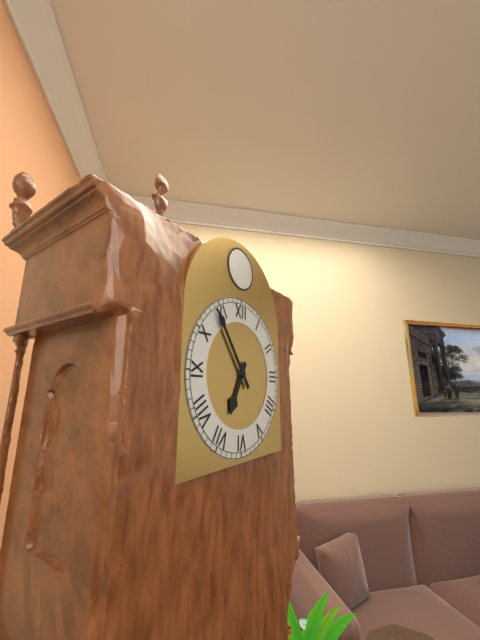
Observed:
{"hour": 6, "minute": 54}
